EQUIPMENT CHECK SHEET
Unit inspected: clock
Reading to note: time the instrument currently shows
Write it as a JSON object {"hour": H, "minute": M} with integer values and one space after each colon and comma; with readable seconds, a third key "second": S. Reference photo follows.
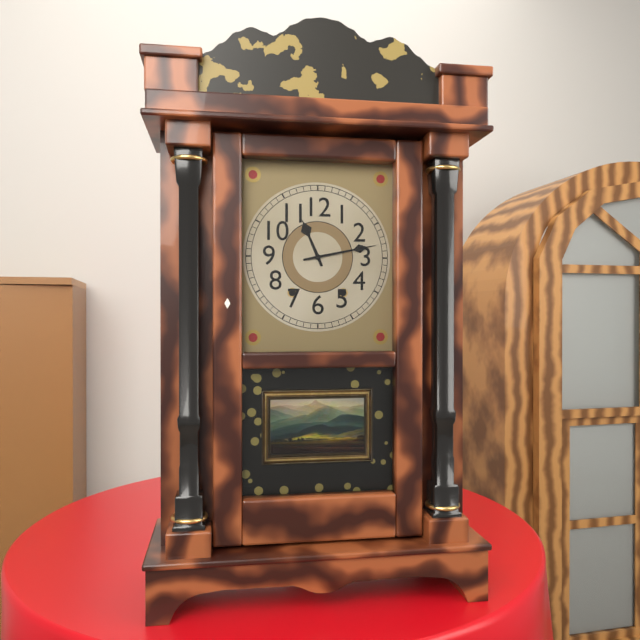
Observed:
{"hour": 11, "minute": 13}
